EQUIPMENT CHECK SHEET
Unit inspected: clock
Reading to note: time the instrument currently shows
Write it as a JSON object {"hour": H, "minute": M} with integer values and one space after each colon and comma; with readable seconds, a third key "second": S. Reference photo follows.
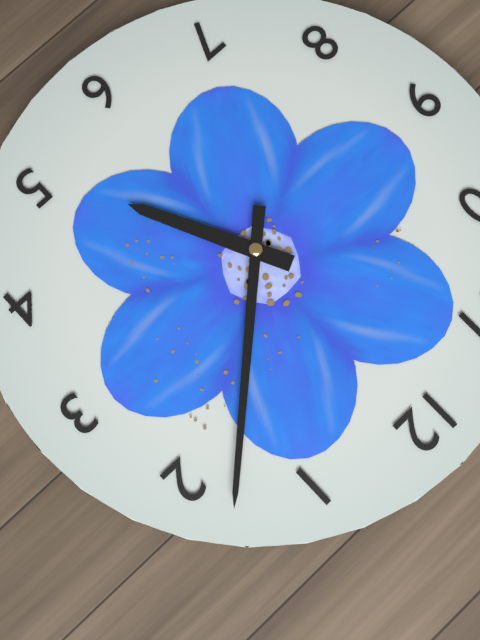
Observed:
{"hour": 5, "minute": 8}
